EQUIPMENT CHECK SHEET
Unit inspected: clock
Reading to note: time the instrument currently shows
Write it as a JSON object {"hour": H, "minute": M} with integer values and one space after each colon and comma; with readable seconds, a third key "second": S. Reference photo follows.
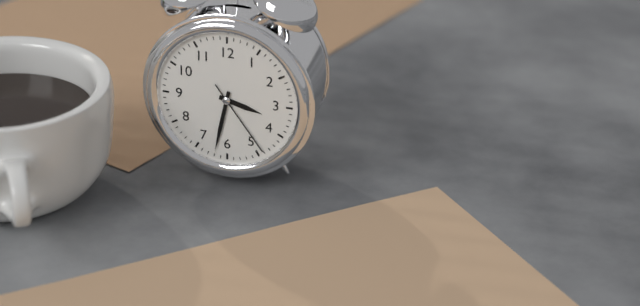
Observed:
{"hour": 3, "minute": 32, "second": 24}
